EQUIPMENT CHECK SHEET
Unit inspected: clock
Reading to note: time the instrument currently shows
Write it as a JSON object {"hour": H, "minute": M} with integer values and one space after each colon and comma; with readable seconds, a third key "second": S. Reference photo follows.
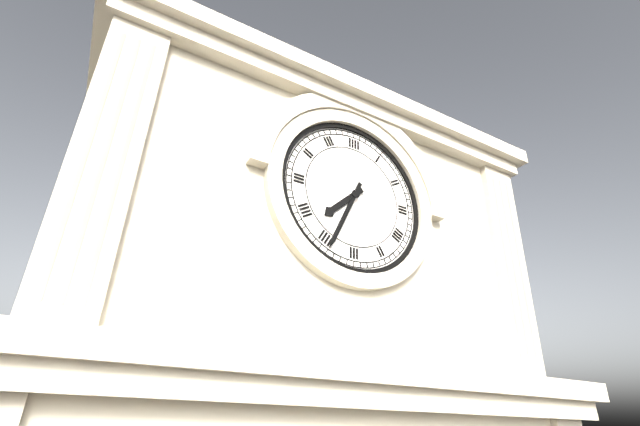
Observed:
{"hour": 7, "minute": 34}
